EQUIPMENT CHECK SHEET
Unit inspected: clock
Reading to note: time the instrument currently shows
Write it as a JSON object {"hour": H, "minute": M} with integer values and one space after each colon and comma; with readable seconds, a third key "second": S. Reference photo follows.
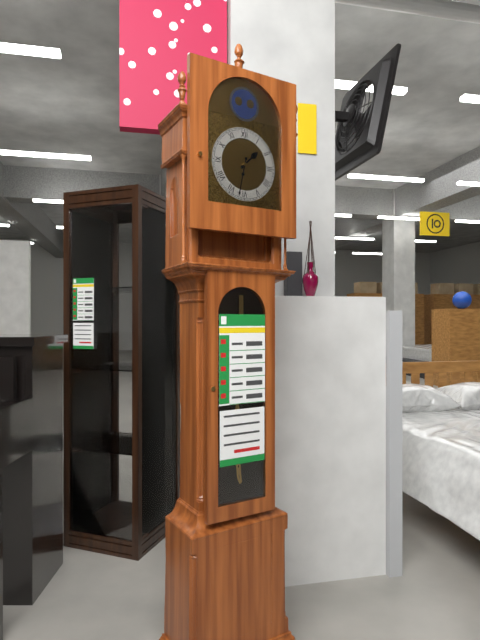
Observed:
{"hour": 1, "minute": 32}
